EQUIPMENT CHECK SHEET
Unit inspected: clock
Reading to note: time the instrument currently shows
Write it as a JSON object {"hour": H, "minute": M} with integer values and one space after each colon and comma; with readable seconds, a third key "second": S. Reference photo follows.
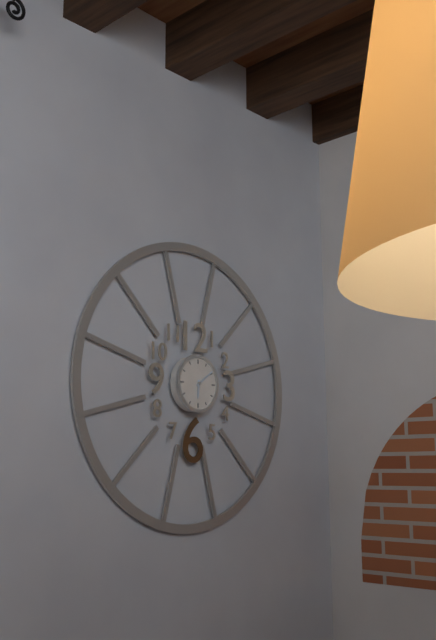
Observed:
{"hour": 6, "minute": 9}
